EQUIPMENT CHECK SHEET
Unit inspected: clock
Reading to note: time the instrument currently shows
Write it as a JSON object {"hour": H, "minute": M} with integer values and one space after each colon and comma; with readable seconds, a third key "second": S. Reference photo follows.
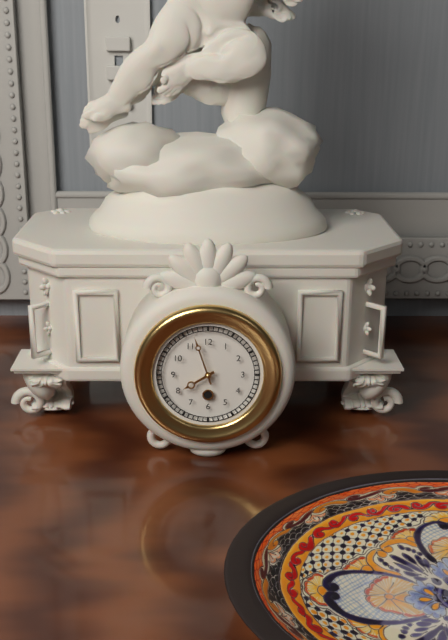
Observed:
{"hour": 7, "minute": 57}
